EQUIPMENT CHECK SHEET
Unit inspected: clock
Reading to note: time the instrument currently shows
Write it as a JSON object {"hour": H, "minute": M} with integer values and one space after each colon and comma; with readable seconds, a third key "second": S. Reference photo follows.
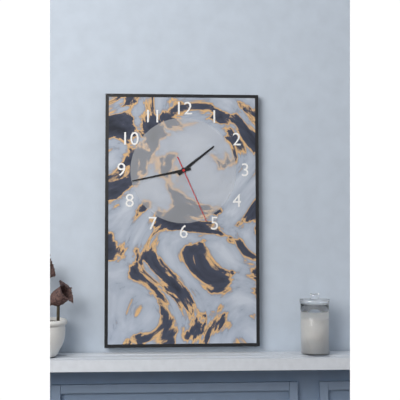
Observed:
{"hour": 1, "minute": 43, "second": 26}
